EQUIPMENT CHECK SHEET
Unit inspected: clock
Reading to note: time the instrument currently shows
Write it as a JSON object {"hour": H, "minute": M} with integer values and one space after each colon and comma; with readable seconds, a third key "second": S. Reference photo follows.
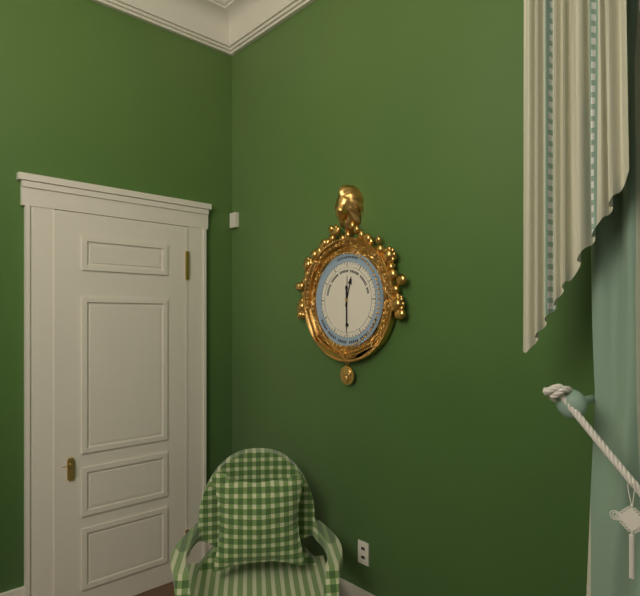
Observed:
{"hour": 12, "minute": 30}
